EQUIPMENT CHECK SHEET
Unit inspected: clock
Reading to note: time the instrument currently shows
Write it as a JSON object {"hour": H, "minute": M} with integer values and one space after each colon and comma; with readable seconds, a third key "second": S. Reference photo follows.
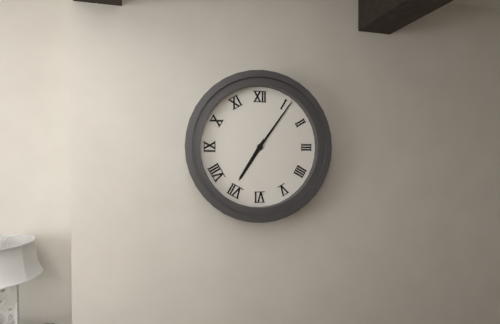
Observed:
{"hour": 7, "minute": 6}
